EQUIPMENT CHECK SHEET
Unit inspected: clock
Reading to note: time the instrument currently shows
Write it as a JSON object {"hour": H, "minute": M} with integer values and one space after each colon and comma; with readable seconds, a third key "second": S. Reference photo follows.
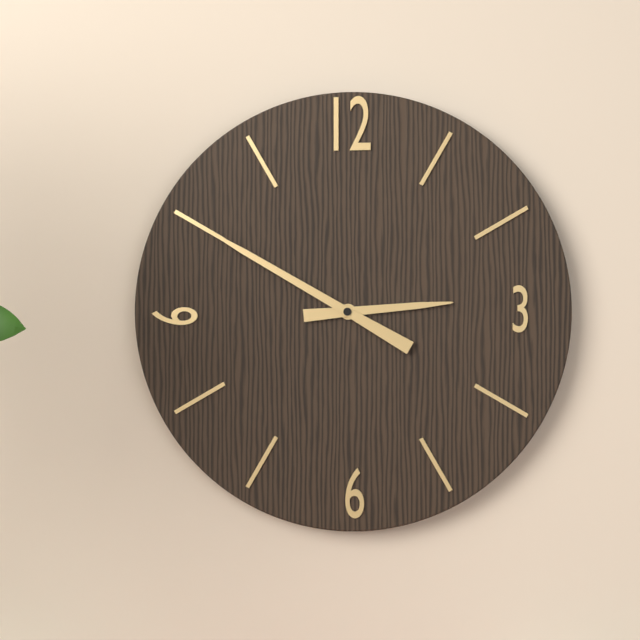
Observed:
{"hour": 2, "minute": 50}
